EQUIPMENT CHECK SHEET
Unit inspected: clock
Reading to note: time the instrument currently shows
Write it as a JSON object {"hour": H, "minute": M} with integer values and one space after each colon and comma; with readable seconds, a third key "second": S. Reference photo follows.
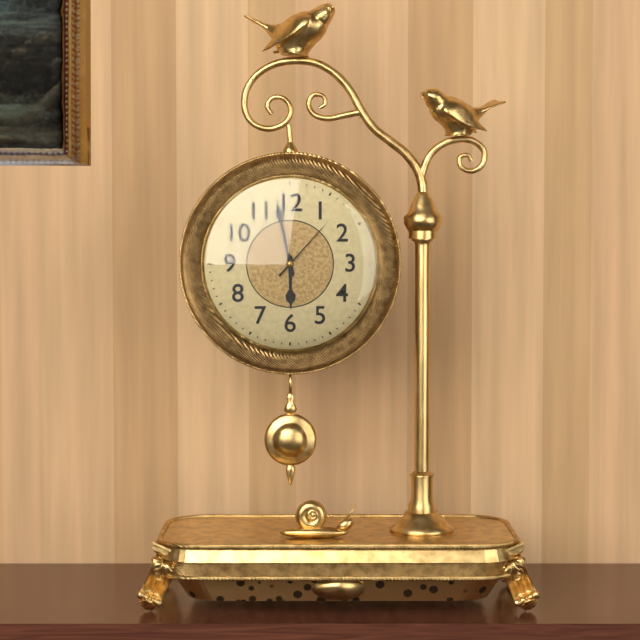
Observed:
{"hour": 5, "minute": 58, "second": 7}
